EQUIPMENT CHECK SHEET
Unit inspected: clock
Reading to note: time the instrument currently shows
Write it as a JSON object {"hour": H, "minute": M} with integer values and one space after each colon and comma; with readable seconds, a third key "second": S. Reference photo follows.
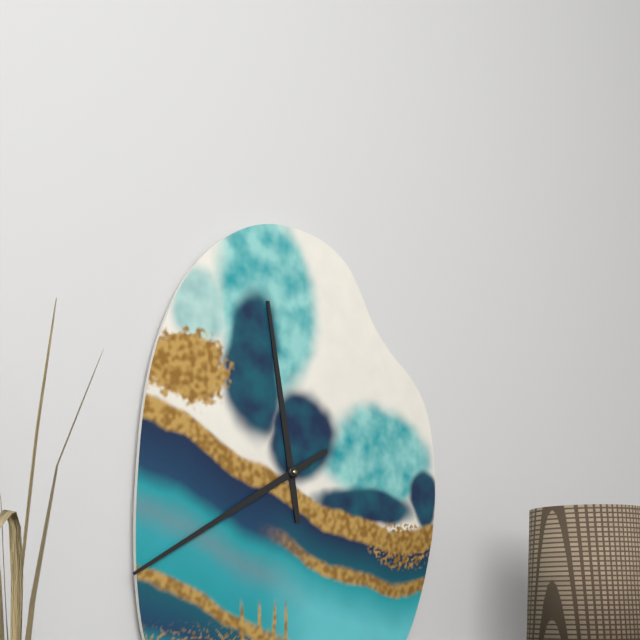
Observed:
{"hour": 11, "minute": 40}
